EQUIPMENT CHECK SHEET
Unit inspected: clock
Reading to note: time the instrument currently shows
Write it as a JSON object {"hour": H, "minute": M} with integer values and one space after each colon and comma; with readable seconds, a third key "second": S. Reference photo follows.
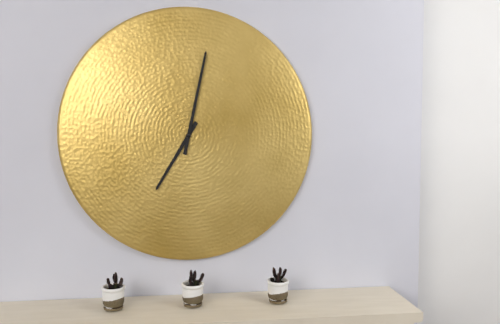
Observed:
{"hour": 7, "minute": 2}
